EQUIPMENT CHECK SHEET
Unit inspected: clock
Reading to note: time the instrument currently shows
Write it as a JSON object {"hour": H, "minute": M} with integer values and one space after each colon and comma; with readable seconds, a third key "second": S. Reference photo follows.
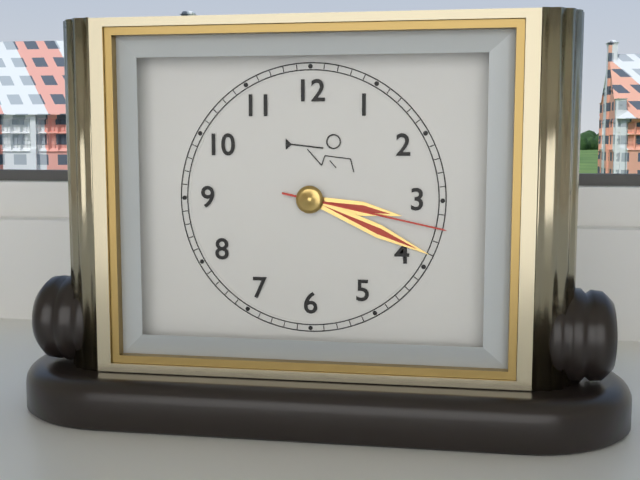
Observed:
{"hour": 3, "minute": 19, "second": 17}
